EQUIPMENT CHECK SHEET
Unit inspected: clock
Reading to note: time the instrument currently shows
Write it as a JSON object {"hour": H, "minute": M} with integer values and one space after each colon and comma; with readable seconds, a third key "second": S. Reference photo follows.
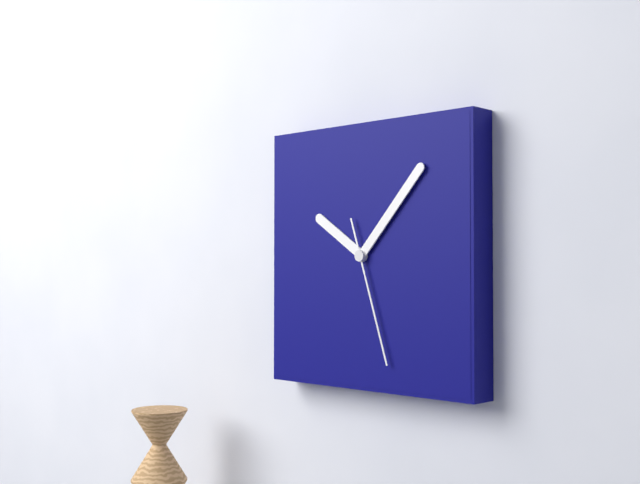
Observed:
{"hour": 10, "minute": 7, "second": 27}
